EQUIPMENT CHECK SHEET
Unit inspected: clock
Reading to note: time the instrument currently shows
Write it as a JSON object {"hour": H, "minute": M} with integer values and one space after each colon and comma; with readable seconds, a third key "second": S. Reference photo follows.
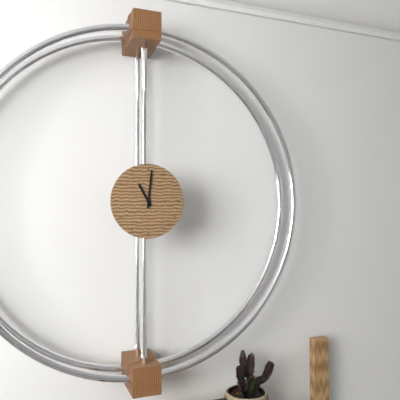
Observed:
{"hour": 11, "minute": 1}
